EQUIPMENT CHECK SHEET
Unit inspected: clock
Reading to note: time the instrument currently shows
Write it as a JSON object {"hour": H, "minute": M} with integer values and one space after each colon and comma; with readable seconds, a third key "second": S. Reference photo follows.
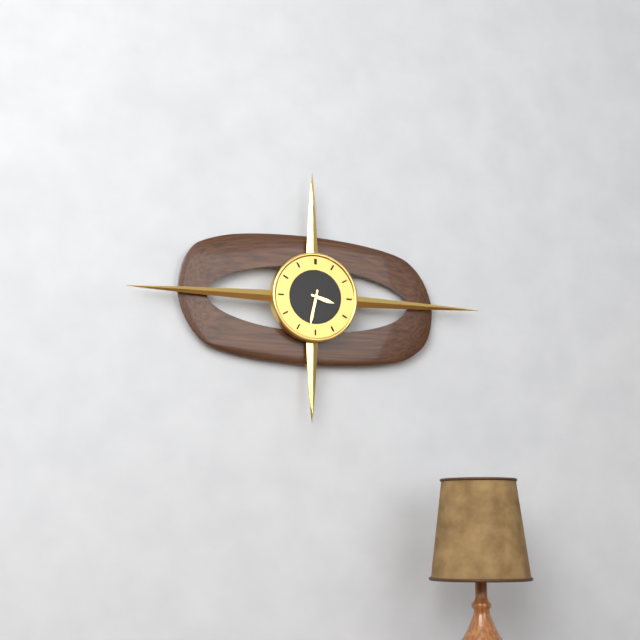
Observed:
{"hour": 3, "minute": 32}
